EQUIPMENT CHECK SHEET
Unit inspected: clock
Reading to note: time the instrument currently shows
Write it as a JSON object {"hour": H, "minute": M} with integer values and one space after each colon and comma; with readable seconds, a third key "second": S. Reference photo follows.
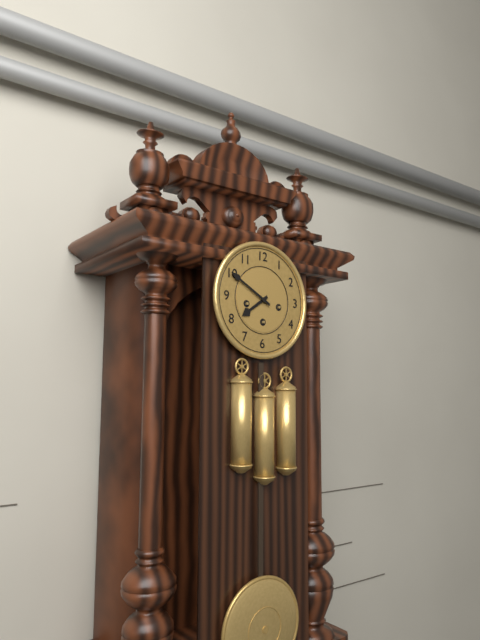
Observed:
{"hour": 7, "minute": 50}
